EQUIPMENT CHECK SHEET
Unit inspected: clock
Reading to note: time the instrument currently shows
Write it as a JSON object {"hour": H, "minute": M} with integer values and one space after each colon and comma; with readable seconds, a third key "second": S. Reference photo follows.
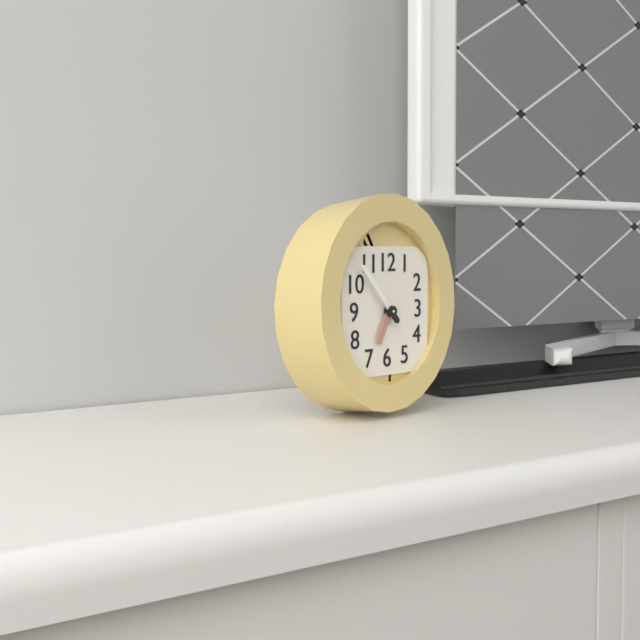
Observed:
{"hour": 6, "minute": 53}
